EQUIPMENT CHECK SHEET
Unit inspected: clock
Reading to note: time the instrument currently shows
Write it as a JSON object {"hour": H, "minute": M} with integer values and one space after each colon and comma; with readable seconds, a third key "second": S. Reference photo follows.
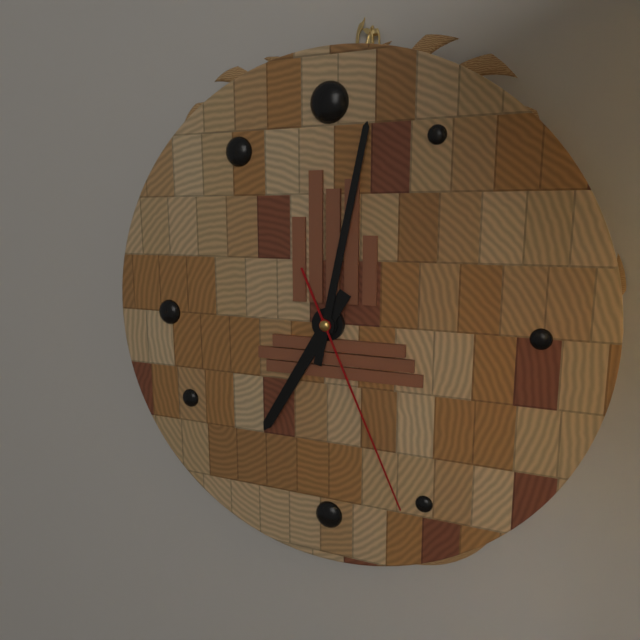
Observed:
{"hour": 7, "minute": 2, "second": 26}
